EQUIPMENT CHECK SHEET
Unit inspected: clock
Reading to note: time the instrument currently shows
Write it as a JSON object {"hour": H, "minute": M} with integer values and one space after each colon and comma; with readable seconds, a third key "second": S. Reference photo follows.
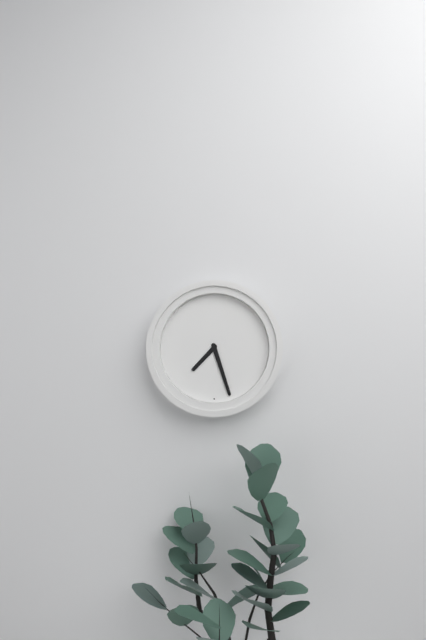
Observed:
{"hour": 7, "minute": 27}
